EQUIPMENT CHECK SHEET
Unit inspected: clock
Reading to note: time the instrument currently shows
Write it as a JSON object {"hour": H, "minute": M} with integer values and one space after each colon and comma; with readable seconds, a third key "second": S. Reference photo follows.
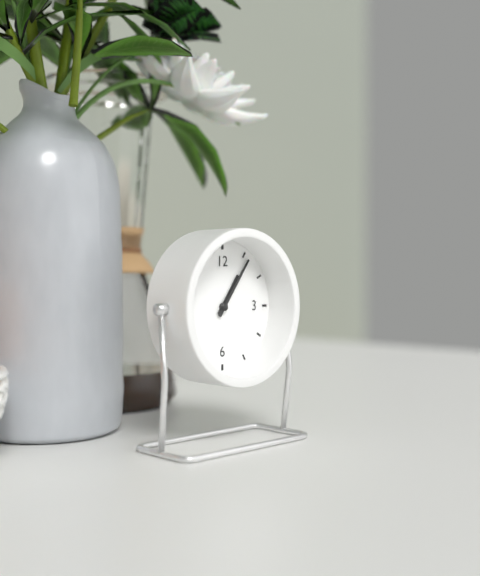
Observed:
{"hour": 1, "minute": 6}
